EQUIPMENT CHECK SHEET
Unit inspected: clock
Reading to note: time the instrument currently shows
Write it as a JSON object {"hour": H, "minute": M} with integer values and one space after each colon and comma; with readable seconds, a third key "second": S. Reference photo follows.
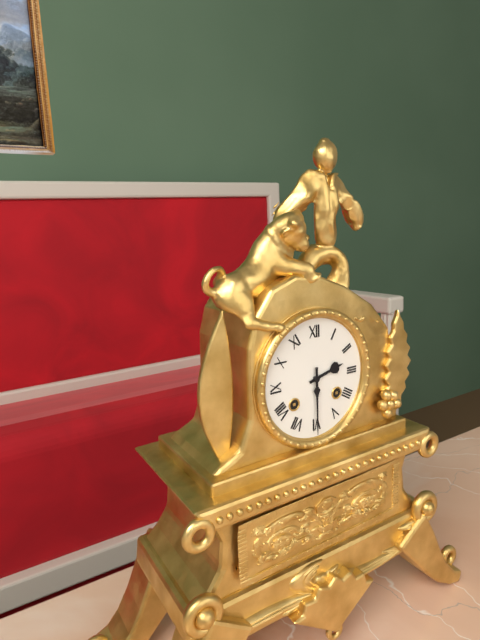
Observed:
{"hour": 2, "minute": 30}
